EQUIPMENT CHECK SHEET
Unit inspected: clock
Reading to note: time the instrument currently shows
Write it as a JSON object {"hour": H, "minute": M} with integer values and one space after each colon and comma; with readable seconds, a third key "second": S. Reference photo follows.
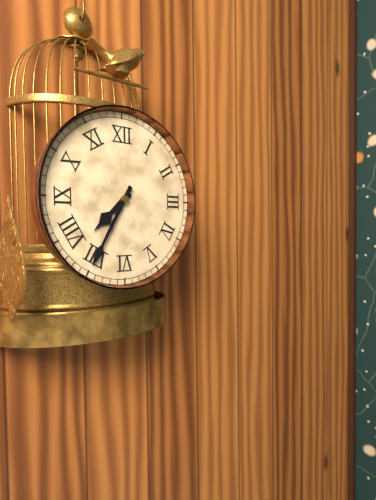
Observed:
{"hour": 7, "minute": 35}
